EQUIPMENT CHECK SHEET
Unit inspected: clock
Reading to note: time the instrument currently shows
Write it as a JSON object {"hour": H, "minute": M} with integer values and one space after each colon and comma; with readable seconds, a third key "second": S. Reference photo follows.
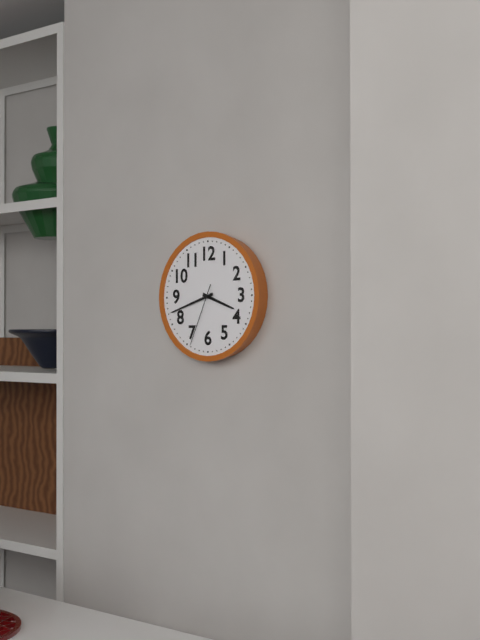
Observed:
{"hour": 3, "minute": 42, "second": 34}
